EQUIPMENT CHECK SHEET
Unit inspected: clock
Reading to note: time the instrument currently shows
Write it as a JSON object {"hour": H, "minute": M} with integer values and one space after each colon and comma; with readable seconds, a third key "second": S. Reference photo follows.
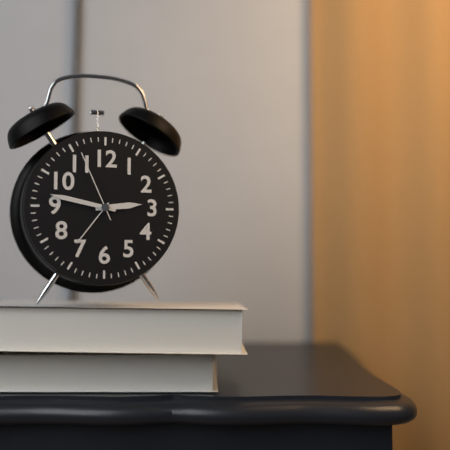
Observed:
{"hour": 2, "minute": 47, "second": 56}
